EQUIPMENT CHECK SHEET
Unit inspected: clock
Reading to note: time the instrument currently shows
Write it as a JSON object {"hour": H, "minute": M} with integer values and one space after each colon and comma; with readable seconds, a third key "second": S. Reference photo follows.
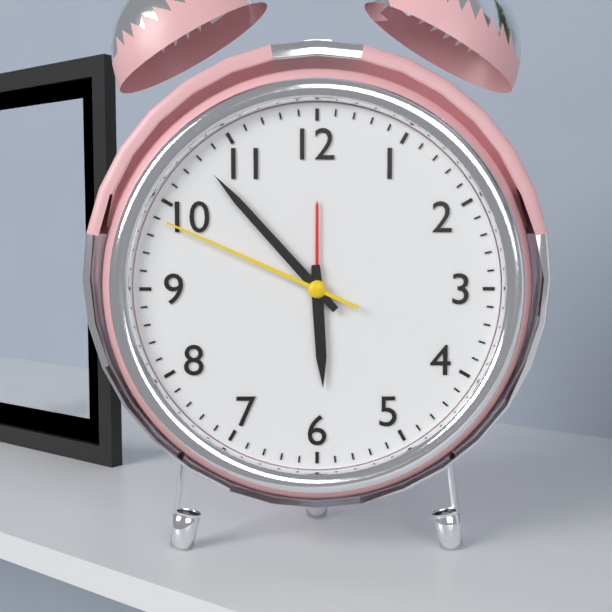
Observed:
{"hour": 5, "minute": 53, "second": 49}
